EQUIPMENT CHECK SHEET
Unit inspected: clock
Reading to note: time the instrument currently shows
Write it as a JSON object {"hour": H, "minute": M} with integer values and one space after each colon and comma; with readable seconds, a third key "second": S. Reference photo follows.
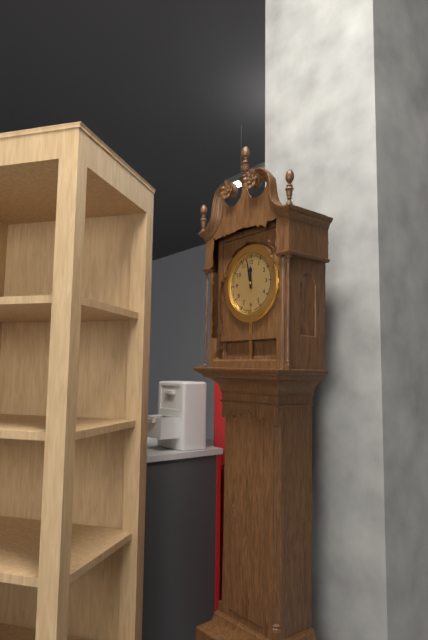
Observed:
{"hour": 11, "minute": 58}
